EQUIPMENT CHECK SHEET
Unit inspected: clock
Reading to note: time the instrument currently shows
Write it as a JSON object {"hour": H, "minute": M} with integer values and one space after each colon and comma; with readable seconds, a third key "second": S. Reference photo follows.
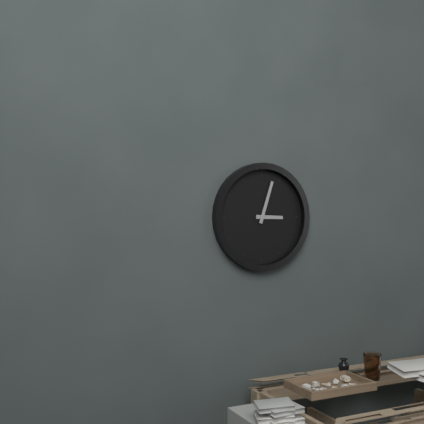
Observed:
{"hour": 3, "minute": 3}
